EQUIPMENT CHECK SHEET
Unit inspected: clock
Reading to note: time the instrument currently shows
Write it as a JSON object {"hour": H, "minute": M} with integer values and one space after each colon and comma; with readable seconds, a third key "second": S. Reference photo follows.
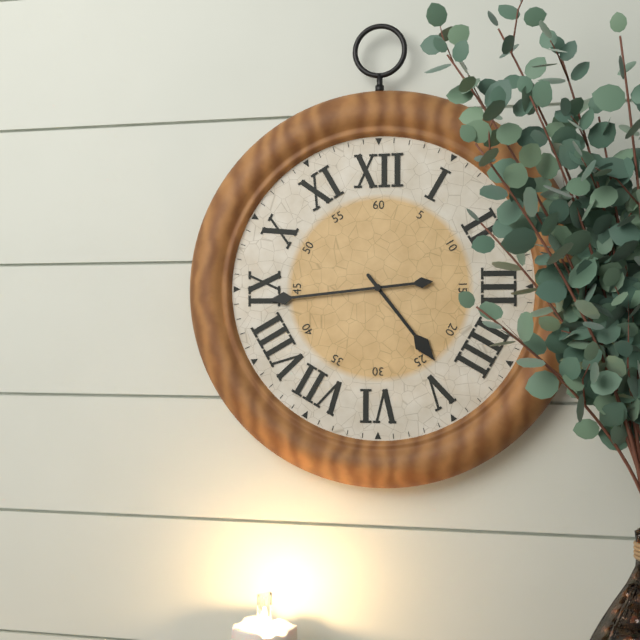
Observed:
{"hour": 4, "minute": 44}
